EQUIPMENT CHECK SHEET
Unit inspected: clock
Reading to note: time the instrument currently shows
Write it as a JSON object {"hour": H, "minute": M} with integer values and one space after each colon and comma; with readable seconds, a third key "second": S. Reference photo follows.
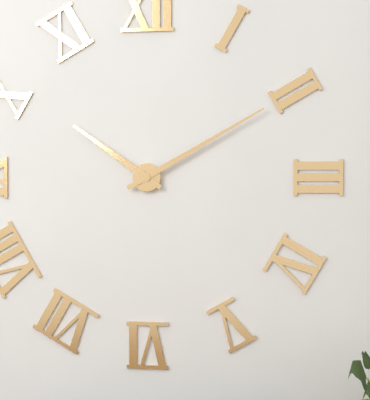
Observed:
{"hour": 10, "minute": 10}
